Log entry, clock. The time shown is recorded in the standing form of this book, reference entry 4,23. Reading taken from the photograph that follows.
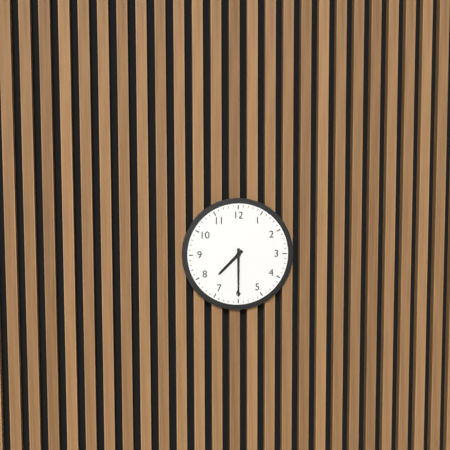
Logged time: 7,30
